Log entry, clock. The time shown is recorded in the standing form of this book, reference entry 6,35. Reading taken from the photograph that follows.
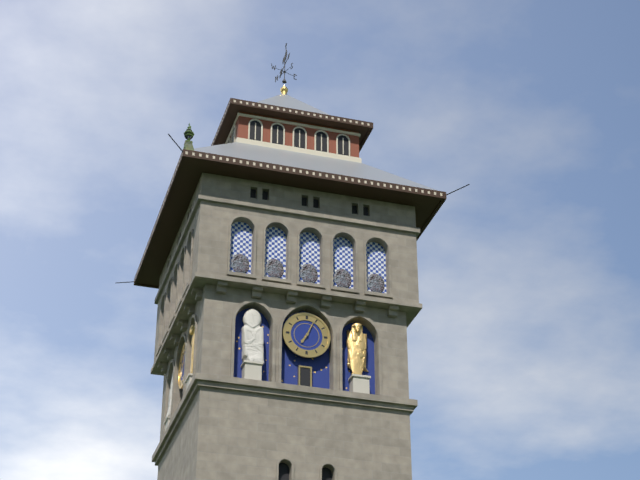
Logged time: 7,04
